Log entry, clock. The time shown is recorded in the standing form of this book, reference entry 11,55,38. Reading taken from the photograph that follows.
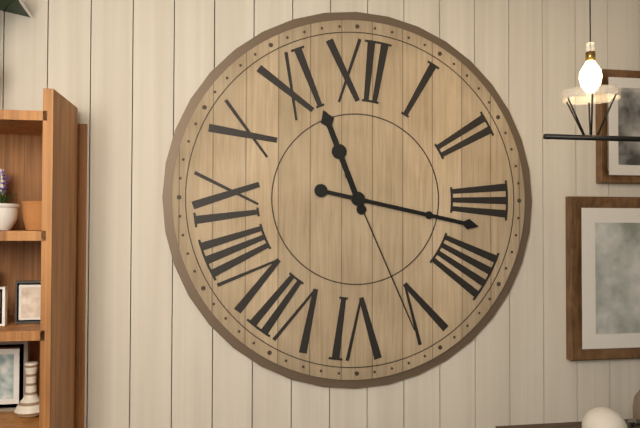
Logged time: 11,17,26
